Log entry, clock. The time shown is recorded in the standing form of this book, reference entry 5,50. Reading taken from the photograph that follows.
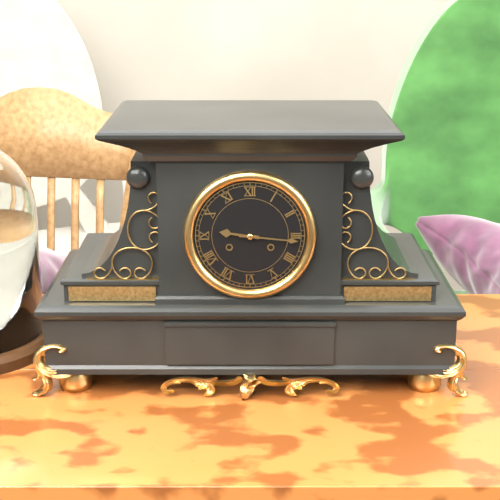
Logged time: 9,16
